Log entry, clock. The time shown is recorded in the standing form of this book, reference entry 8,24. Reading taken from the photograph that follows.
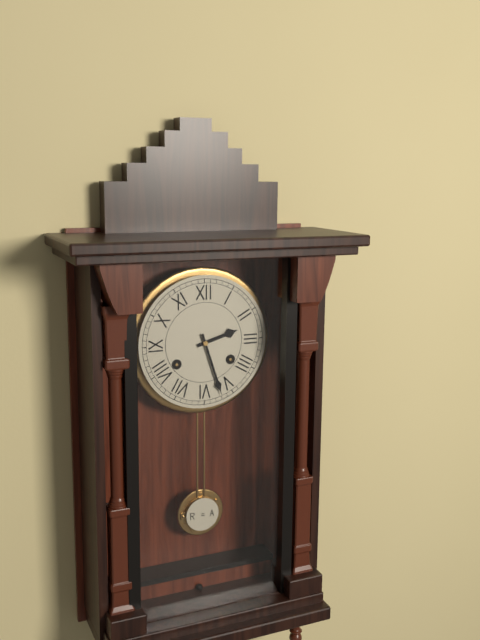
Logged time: 2,27
